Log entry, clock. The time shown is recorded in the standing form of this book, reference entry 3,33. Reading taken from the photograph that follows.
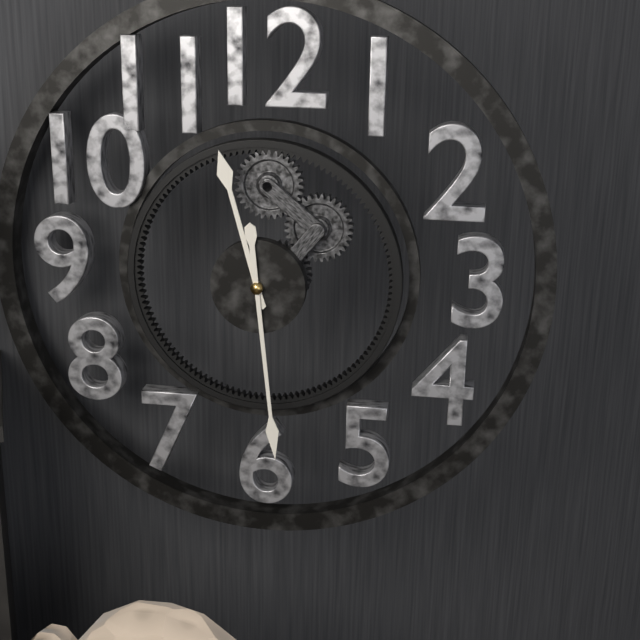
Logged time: 11,29
